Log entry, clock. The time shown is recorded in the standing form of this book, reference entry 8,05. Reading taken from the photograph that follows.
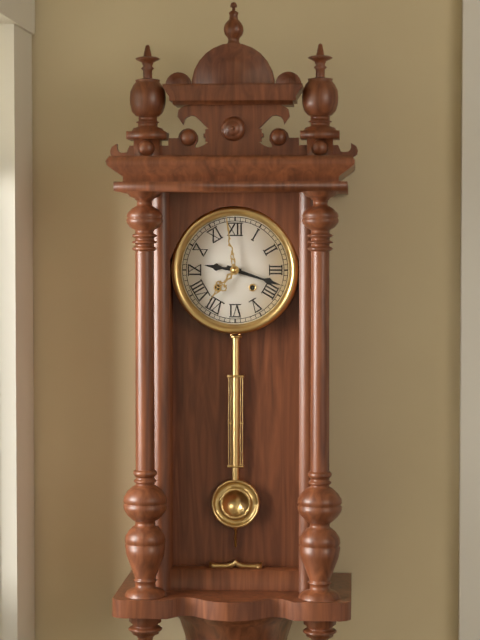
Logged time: 9,18
